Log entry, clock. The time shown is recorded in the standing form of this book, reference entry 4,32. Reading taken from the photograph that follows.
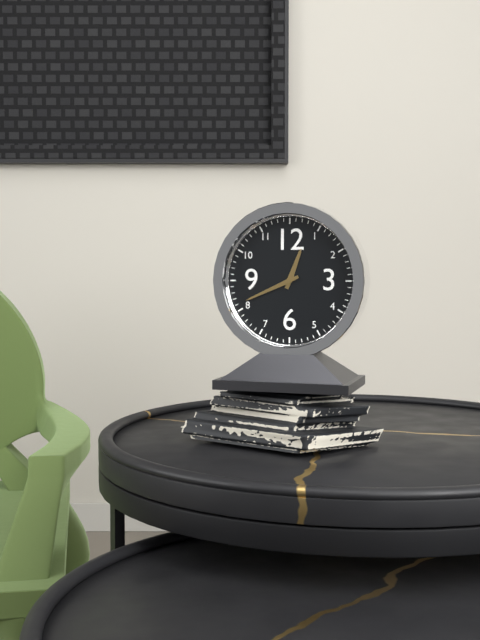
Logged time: 12,41
